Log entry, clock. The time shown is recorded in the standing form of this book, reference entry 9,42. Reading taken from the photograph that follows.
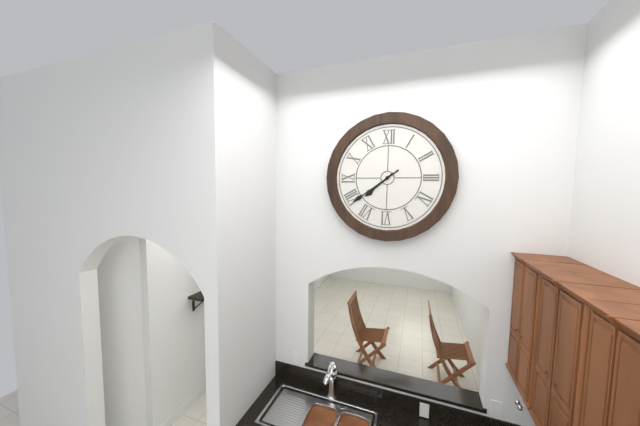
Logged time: 7,39
